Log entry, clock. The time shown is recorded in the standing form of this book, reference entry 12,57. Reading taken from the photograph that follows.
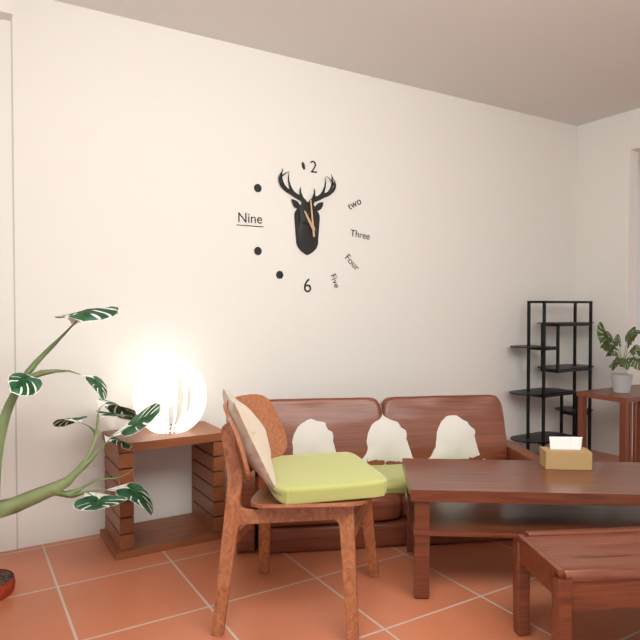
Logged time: 10,59
